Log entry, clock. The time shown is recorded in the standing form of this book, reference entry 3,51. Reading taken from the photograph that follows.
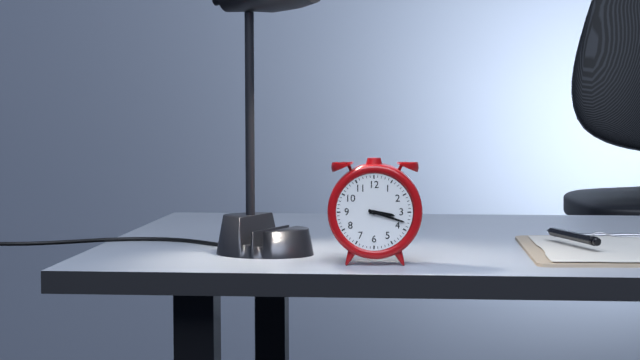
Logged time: 3,18
